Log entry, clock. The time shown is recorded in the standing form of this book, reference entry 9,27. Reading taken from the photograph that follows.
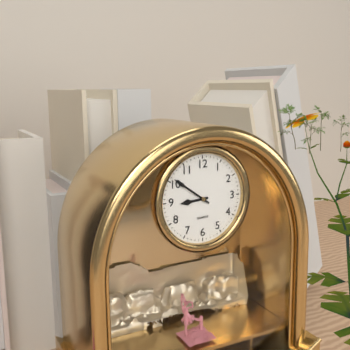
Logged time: 8,51
